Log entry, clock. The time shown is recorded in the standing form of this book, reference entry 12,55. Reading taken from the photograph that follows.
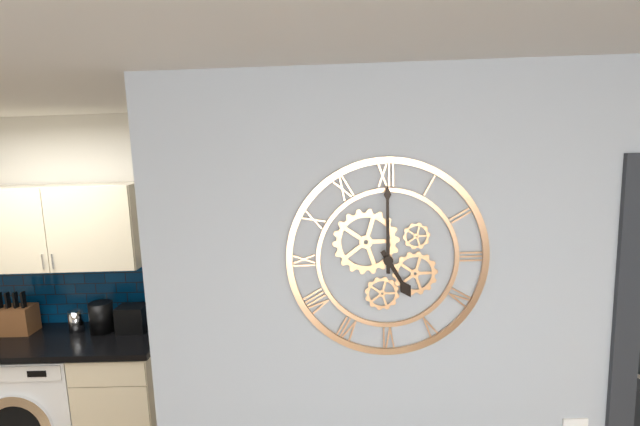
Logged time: 5,00
